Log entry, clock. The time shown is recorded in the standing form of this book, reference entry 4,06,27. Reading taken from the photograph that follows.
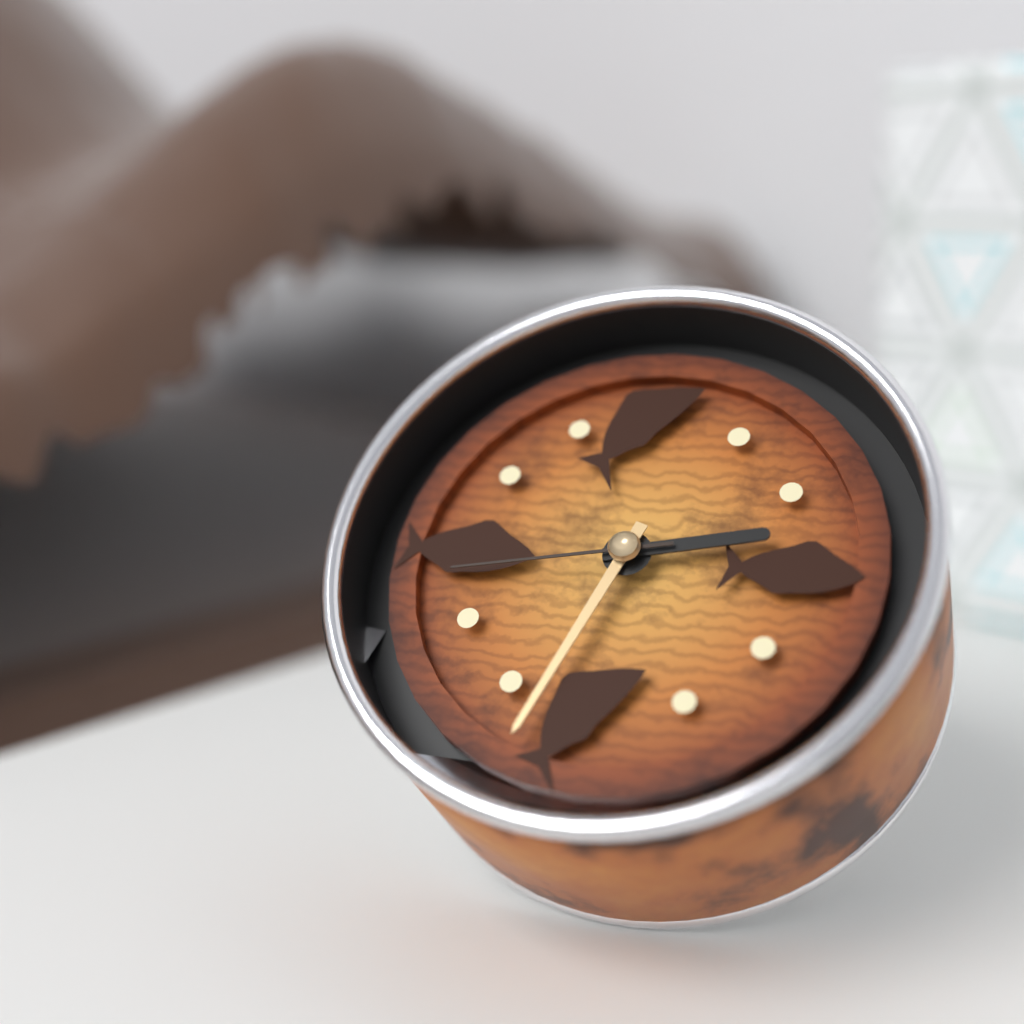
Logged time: 2,33,43
